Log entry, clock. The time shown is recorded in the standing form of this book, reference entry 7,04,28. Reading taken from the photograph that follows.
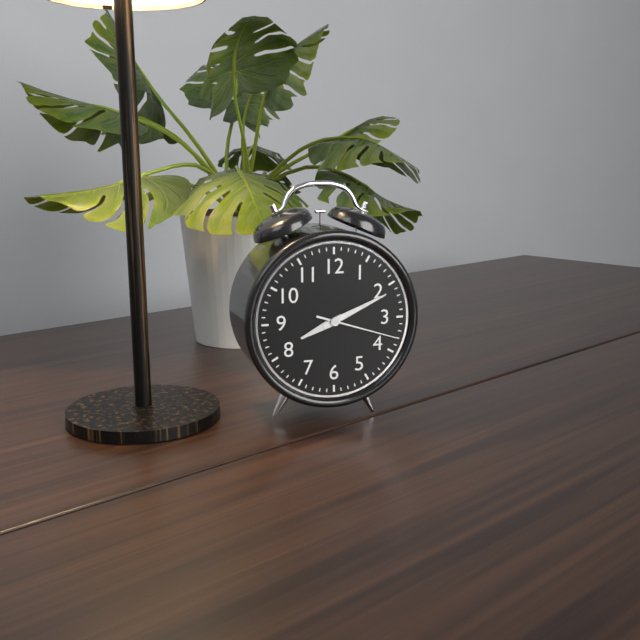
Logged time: 8,11,18
